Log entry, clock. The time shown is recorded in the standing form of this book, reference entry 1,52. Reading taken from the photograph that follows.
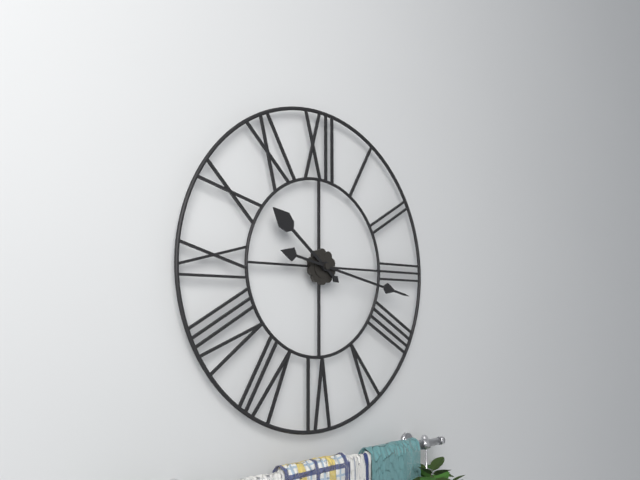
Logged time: 10,17
